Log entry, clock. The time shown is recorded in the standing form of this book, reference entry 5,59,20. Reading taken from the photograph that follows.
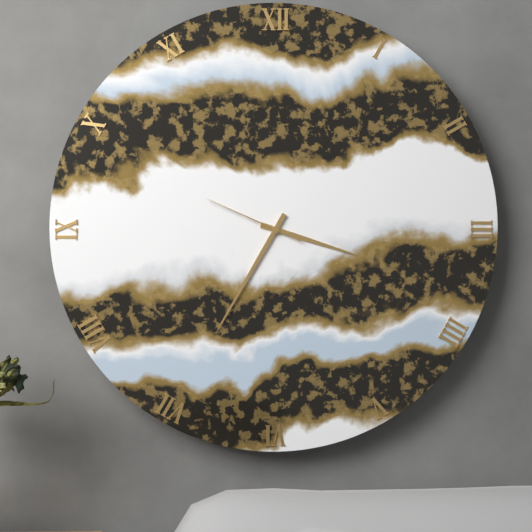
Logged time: 3,35,49
